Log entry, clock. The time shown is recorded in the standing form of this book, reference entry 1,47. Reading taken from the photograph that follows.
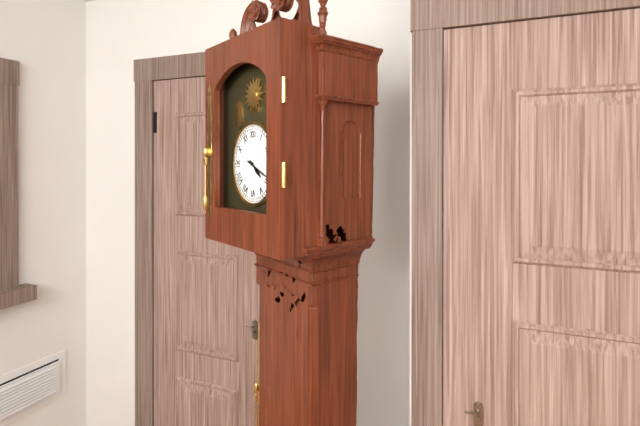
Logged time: 4,19
